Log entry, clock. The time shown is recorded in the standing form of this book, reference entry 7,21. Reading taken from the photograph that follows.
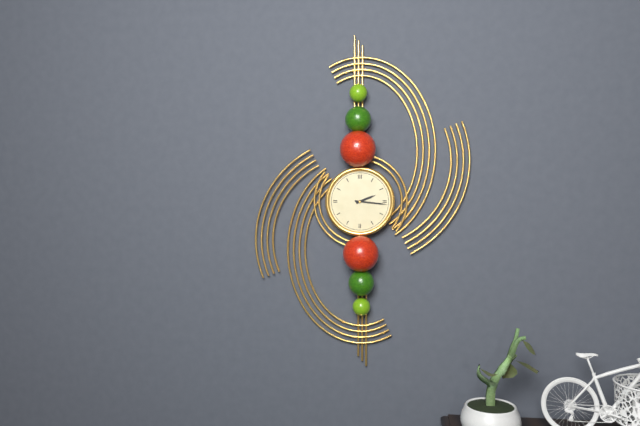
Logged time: 2,16
